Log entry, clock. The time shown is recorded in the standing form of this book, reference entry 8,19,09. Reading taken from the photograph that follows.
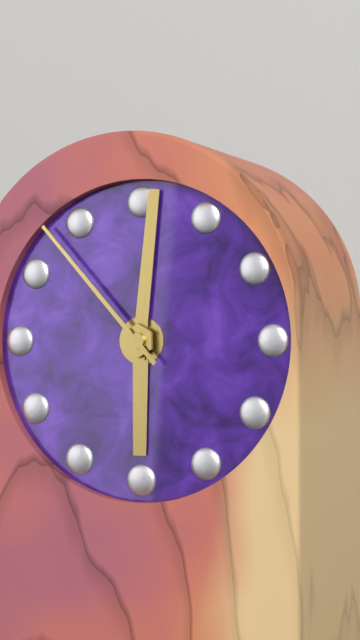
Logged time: 6,01,53
